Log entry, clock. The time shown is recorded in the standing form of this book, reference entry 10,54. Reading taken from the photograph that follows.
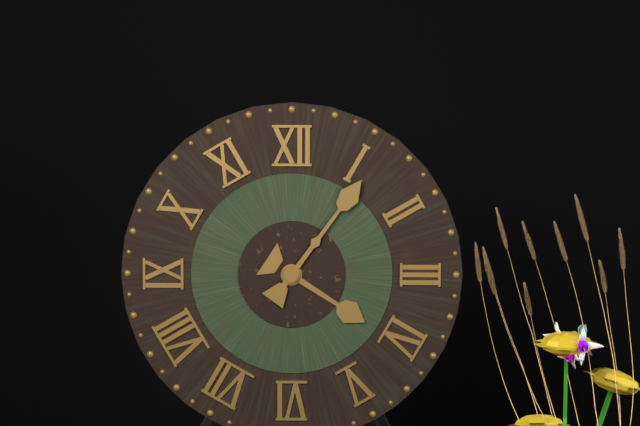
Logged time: 4,06
